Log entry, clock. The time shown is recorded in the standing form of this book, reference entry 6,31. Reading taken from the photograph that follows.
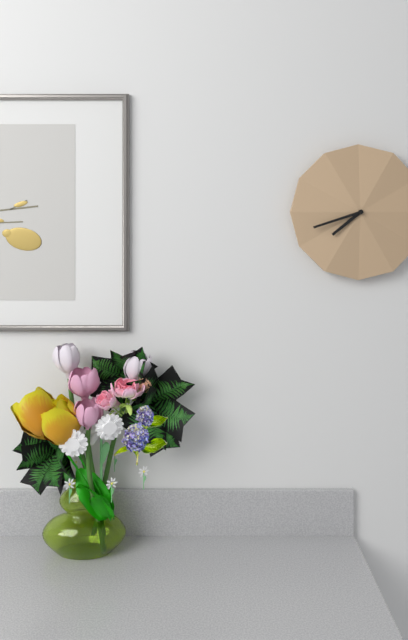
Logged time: 7,42
